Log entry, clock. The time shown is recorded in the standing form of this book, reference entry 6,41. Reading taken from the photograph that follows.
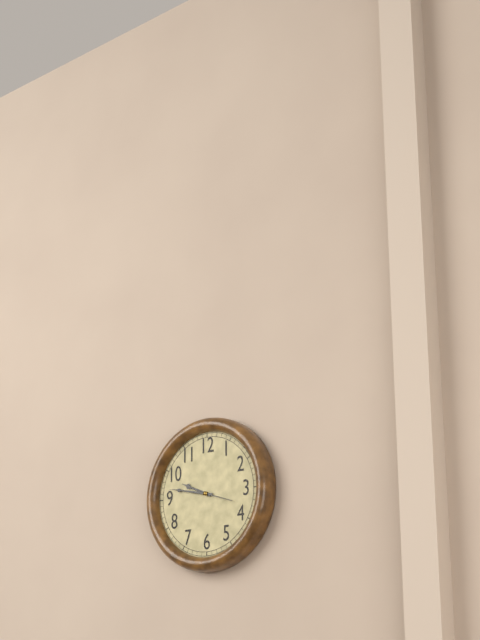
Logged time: 9,47
